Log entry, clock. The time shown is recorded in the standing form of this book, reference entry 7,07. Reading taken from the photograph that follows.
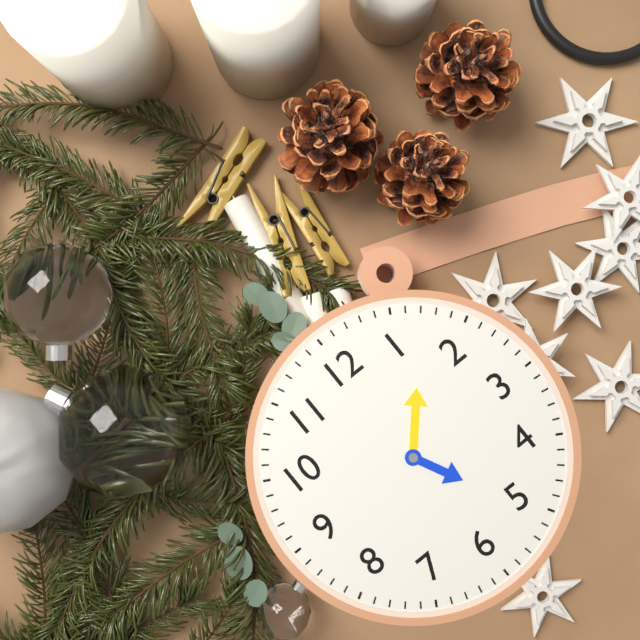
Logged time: 5,07
